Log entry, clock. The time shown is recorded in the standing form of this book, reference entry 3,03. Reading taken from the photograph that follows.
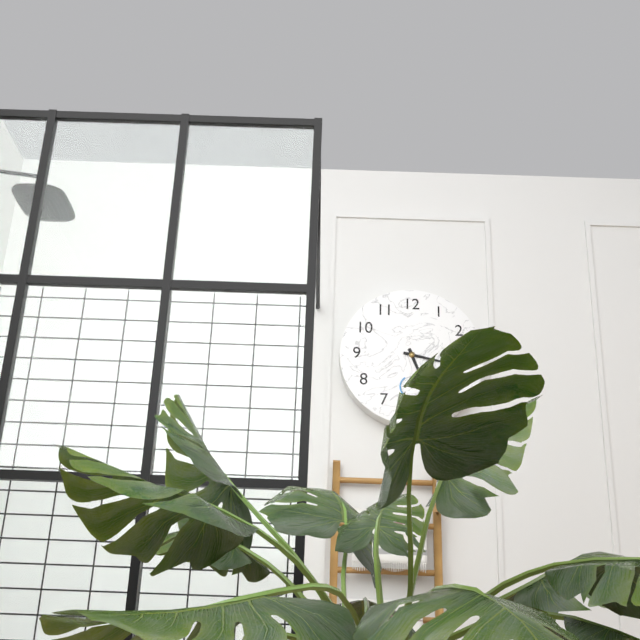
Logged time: 5,17
